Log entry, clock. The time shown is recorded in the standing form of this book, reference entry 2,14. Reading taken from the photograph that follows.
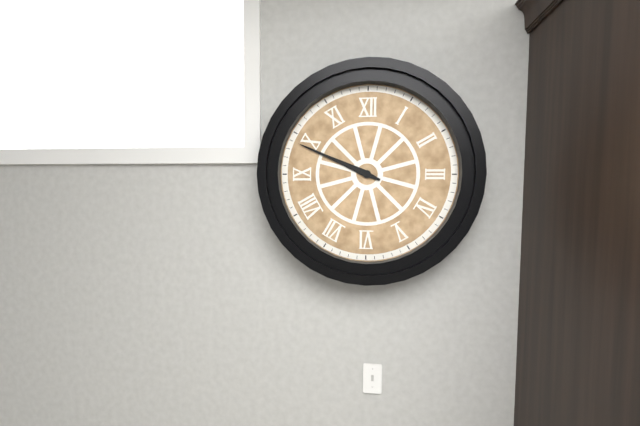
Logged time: 9,49
